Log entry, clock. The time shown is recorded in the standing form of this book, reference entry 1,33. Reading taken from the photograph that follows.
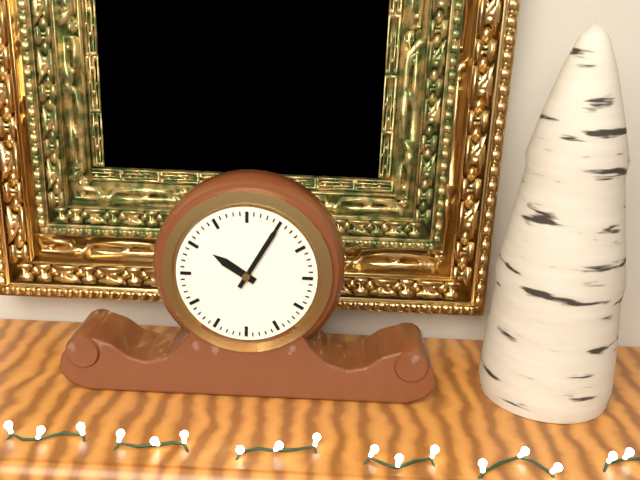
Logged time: 10,05
